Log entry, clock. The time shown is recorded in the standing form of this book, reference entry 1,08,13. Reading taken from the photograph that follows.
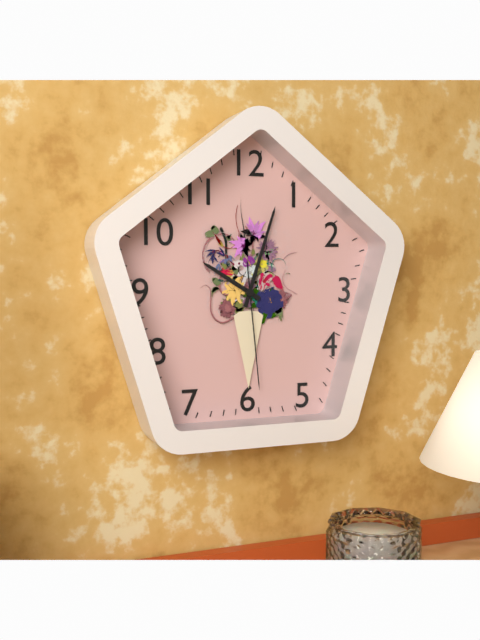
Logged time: 10,03,29
